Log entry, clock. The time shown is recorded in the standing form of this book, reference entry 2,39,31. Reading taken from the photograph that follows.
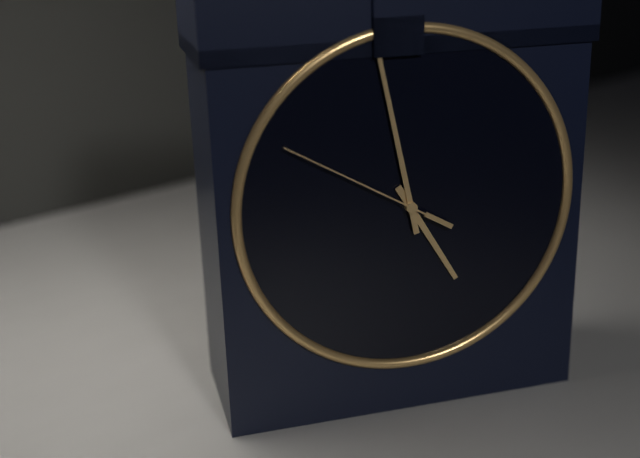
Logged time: 4,58,50
